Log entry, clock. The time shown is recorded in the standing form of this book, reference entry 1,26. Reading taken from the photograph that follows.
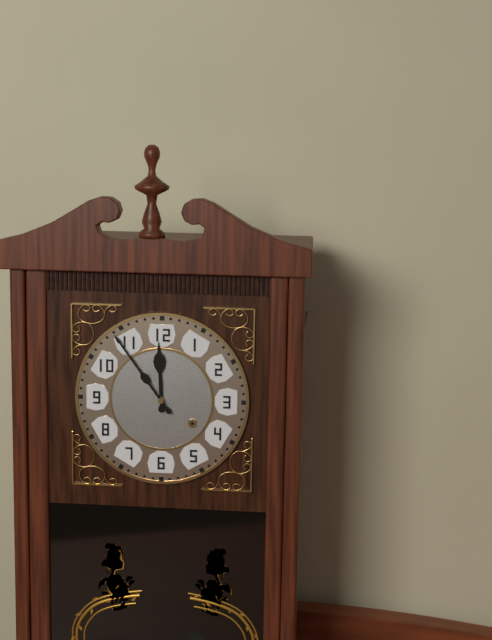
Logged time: 11,54
